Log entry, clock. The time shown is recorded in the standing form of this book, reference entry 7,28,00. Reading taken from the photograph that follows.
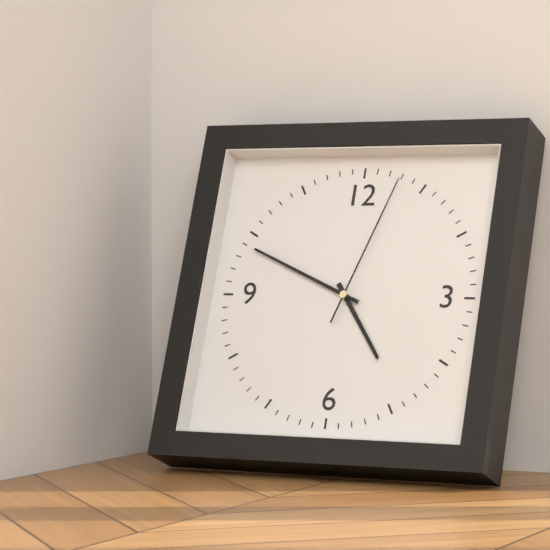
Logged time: 4,49,03
